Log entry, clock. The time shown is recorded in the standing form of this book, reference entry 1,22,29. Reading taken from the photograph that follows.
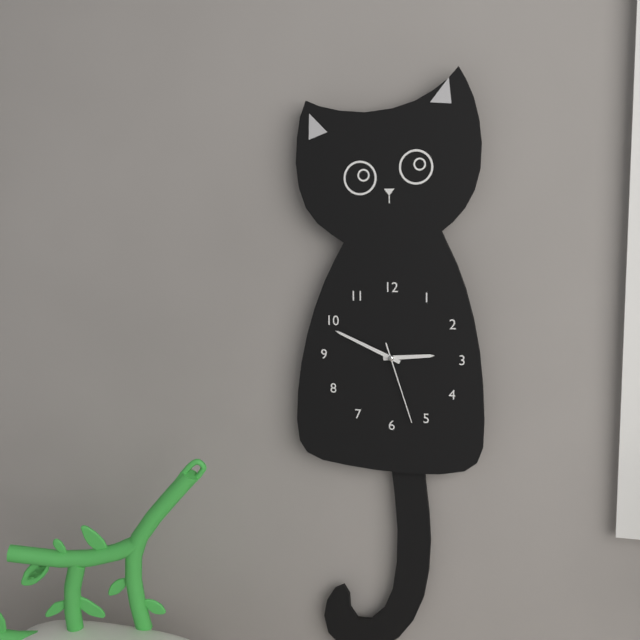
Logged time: 2,49,27
